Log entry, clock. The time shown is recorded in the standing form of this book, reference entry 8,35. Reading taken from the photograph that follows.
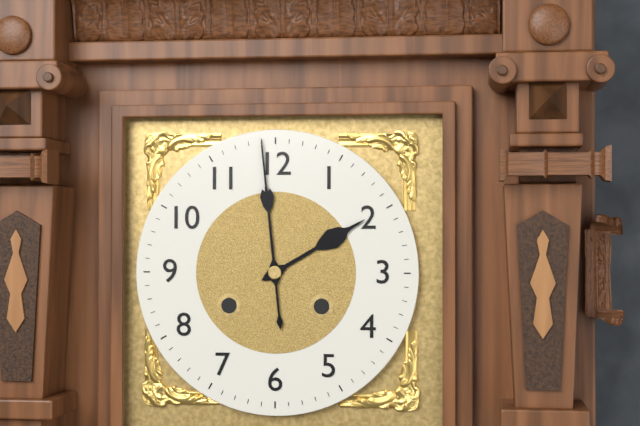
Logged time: 1,59
